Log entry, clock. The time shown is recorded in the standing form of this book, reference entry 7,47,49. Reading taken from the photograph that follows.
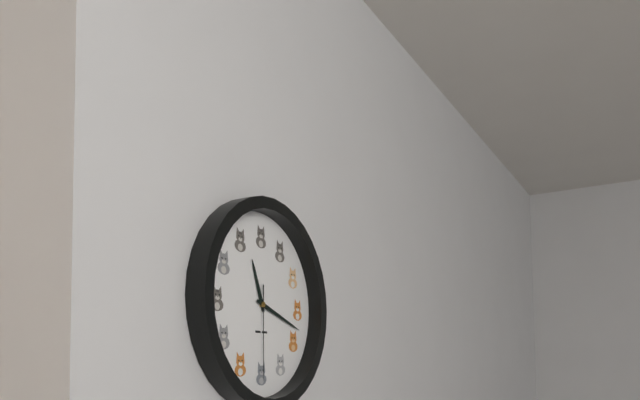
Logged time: 11,18,30
